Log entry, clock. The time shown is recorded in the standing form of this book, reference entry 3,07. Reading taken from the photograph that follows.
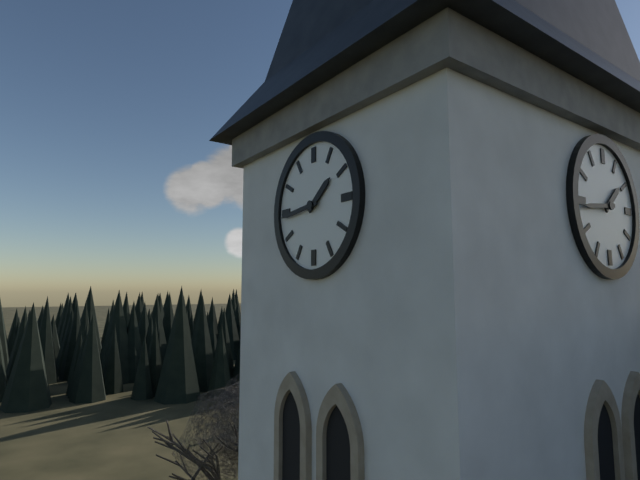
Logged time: 1,44
